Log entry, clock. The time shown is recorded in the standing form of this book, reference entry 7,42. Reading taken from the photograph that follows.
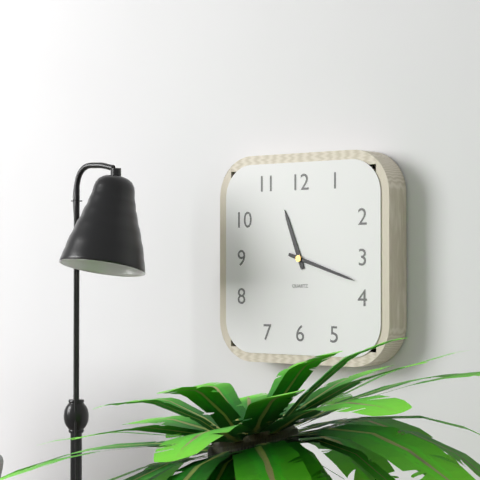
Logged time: 11,18
